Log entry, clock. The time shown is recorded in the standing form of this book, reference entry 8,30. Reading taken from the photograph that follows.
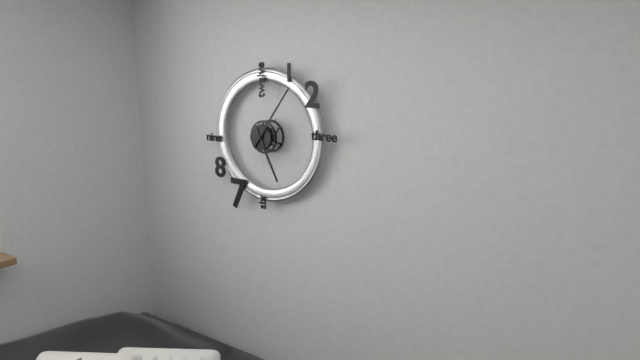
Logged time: 5,06
